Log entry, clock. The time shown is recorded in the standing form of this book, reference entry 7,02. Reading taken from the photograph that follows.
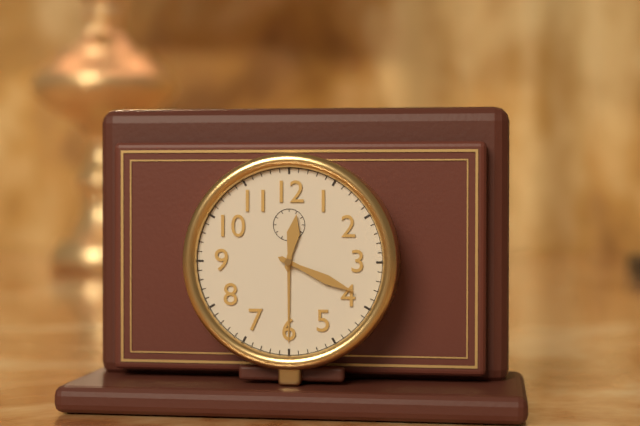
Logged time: 12,19
